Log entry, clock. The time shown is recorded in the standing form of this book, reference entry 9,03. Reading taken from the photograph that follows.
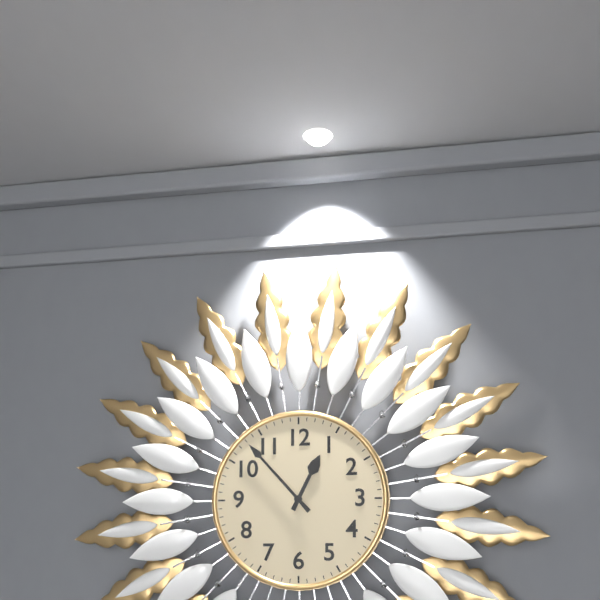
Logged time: 12,53
